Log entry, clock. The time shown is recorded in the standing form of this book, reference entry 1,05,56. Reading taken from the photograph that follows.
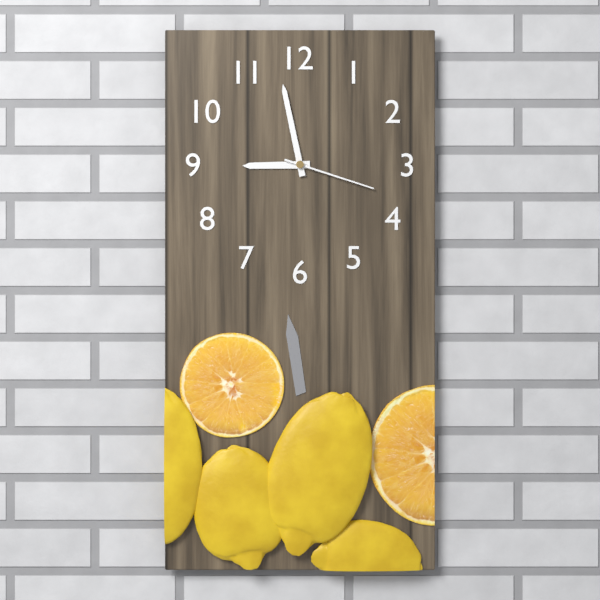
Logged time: 8,58,18
